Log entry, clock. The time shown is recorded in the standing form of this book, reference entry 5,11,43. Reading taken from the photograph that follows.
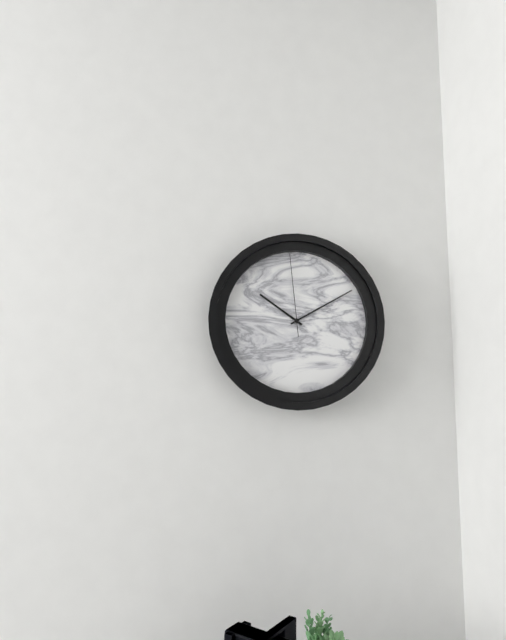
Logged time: 10,10,59
